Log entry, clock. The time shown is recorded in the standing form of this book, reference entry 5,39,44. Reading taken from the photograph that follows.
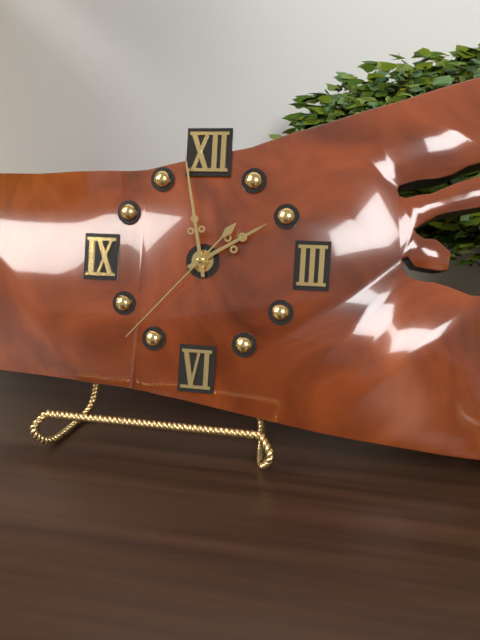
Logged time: 1,58,37
